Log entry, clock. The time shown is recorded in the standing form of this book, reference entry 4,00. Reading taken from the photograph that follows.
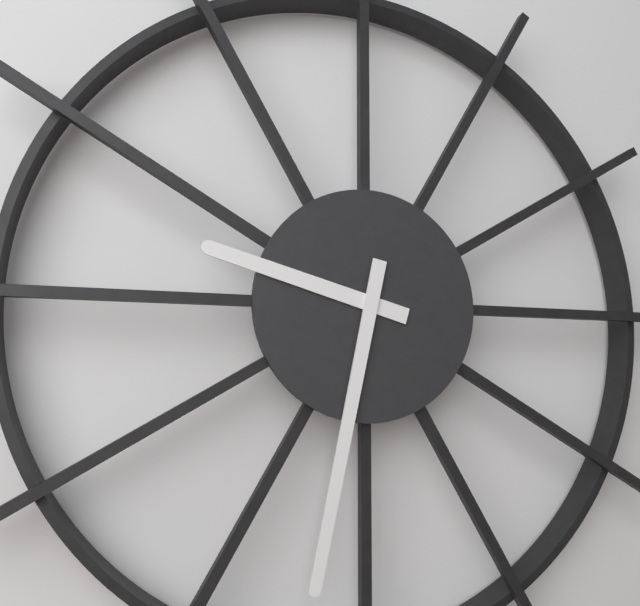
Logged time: 9,32
